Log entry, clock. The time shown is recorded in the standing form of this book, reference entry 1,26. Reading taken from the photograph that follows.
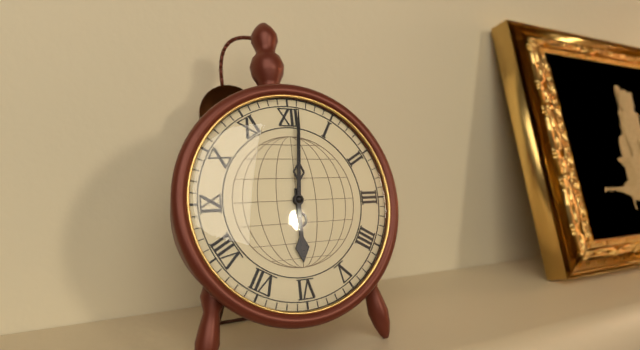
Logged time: 6,01
